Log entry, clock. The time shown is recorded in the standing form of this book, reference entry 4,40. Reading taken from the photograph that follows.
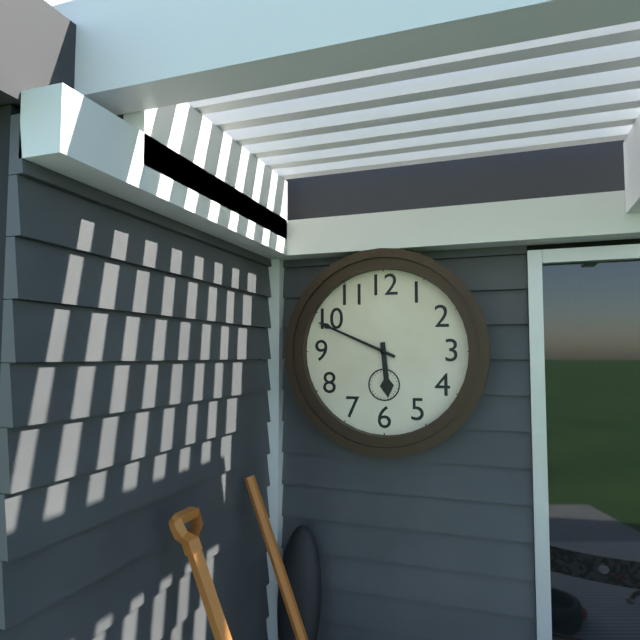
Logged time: 5,49
